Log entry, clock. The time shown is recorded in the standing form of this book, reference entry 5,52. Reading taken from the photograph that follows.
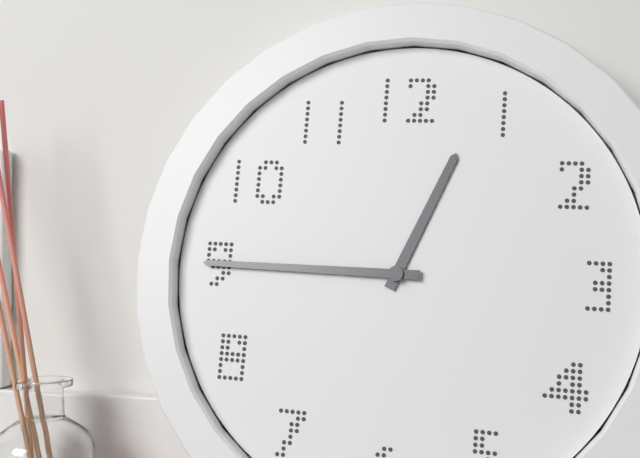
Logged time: 12,45
